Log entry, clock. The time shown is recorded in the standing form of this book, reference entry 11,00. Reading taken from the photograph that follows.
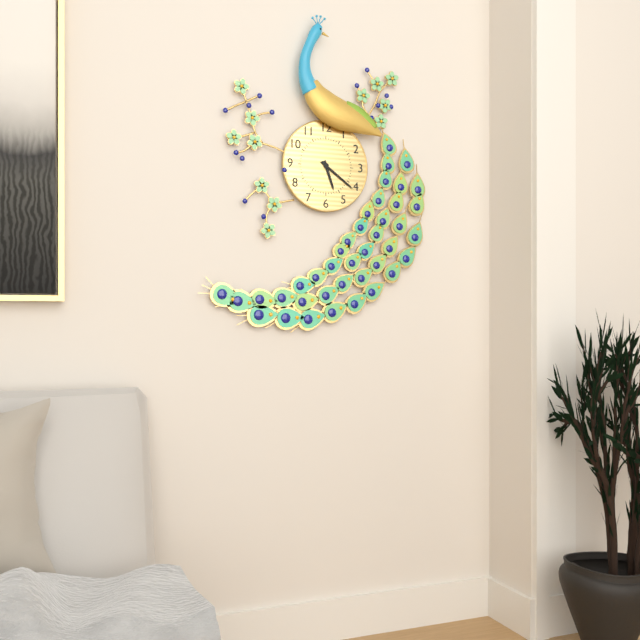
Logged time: 5,21
